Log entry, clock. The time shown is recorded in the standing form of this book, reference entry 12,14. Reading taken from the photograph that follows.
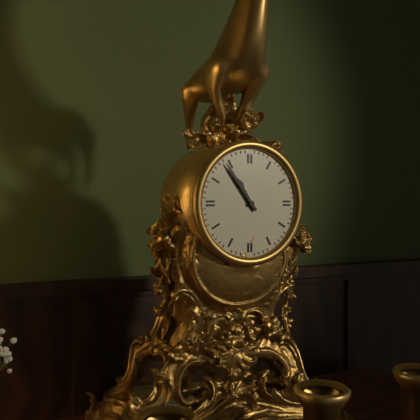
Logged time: 10,54
